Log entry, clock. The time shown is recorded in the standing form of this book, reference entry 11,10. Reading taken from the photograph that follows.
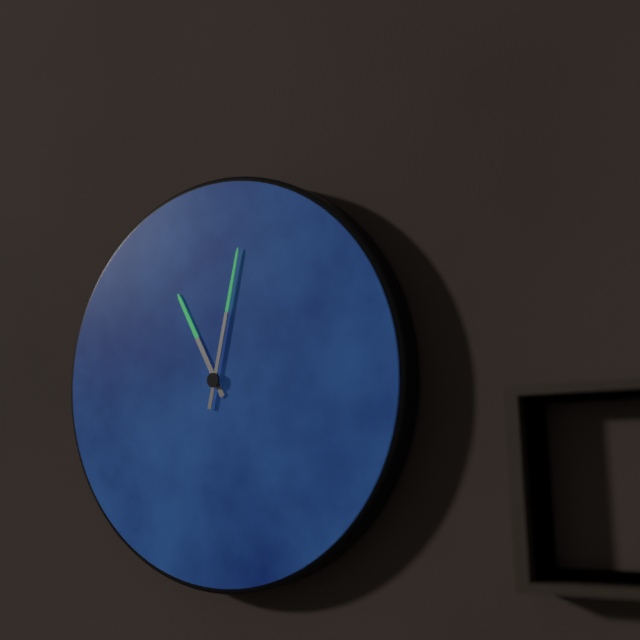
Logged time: 11,02
